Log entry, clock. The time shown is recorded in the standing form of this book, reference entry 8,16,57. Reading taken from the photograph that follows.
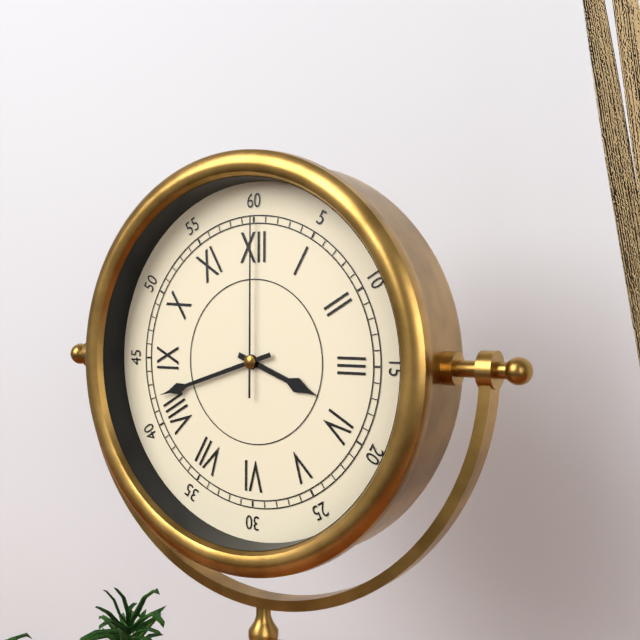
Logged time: 3,42,00
